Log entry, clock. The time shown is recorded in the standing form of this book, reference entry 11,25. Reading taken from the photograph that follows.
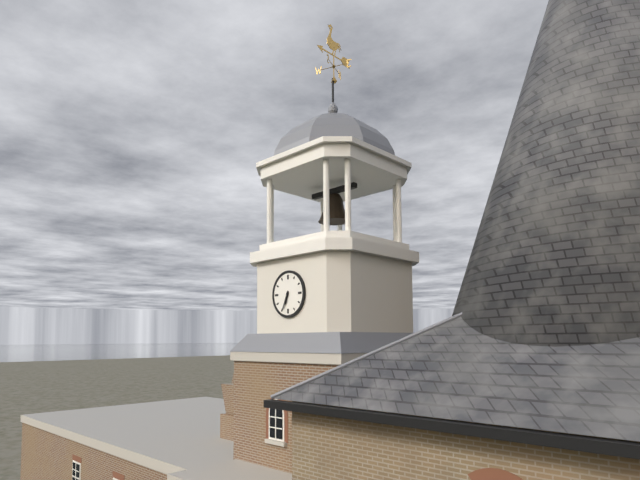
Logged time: 6,34
